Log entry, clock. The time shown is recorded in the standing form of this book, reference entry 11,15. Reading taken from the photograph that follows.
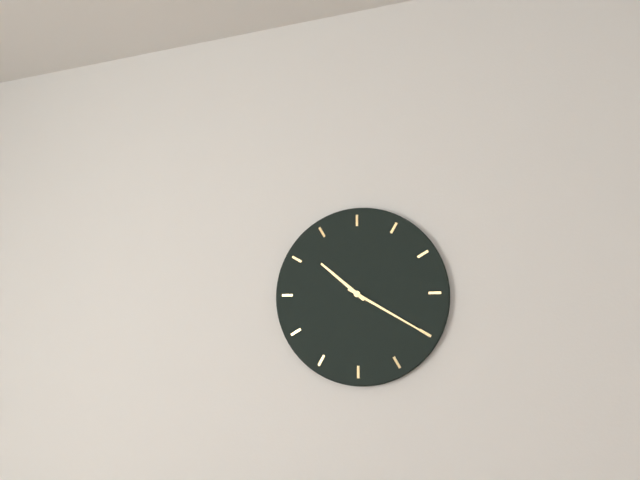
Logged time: 10,20
